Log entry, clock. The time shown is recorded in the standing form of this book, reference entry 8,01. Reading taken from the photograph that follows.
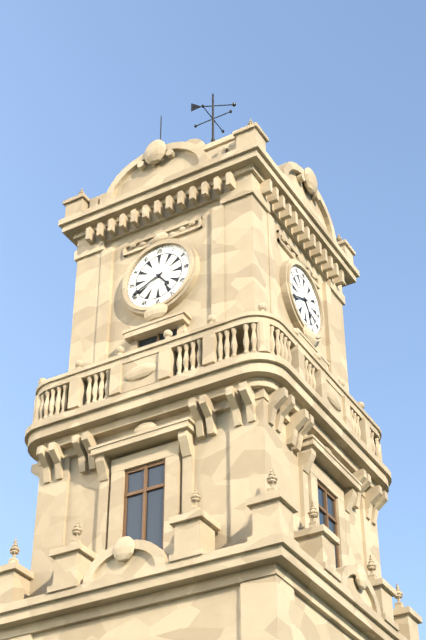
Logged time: 4,41
